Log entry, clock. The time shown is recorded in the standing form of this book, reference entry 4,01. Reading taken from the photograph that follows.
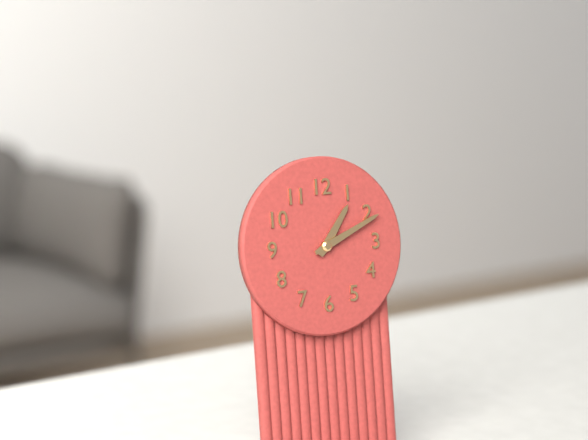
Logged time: 1,11
